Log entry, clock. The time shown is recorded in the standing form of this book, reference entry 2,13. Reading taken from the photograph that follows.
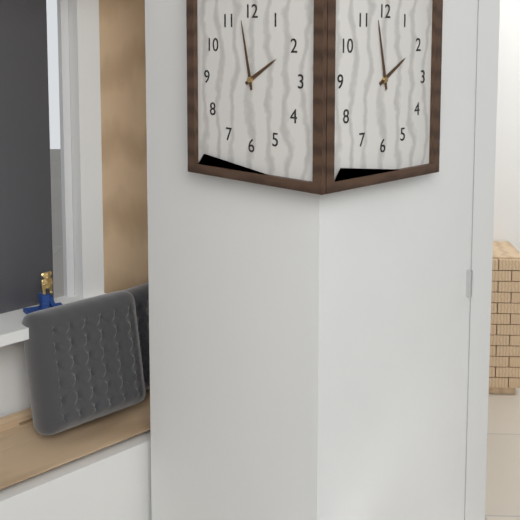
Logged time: 1,58
